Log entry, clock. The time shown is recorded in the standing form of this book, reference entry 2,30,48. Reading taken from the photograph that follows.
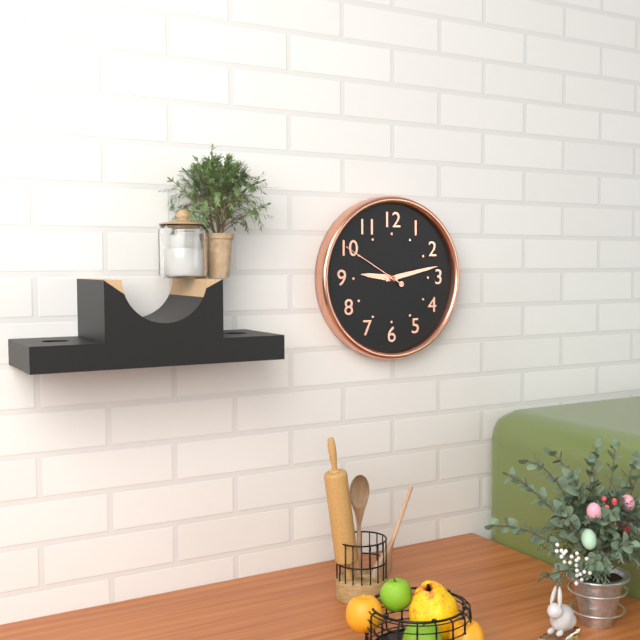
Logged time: 9,13,50
